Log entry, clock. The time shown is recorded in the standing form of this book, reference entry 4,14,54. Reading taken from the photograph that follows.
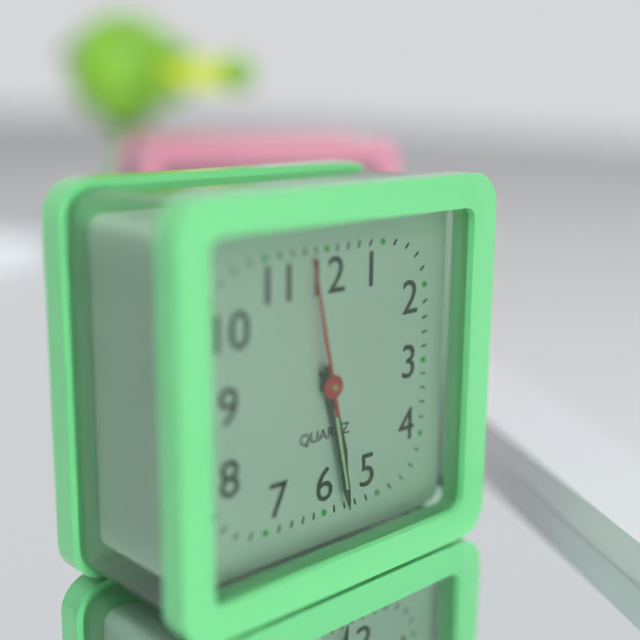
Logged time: 5,28,58
